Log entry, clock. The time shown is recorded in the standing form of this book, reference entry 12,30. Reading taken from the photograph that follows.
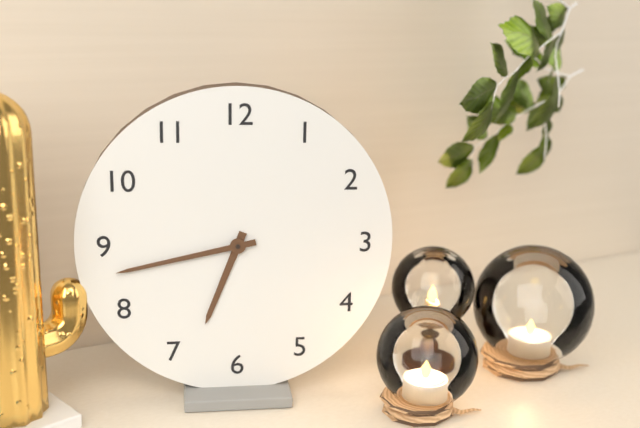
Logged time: 6,43
